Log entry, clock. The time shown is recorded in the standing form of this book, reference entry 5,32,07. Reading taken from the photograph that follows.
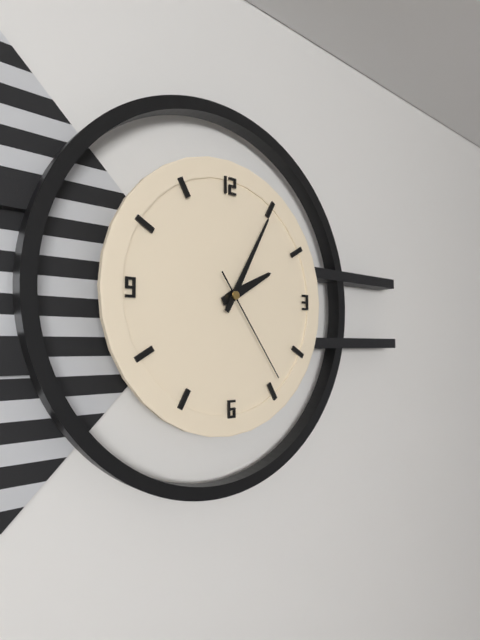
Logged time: 2,05,24
